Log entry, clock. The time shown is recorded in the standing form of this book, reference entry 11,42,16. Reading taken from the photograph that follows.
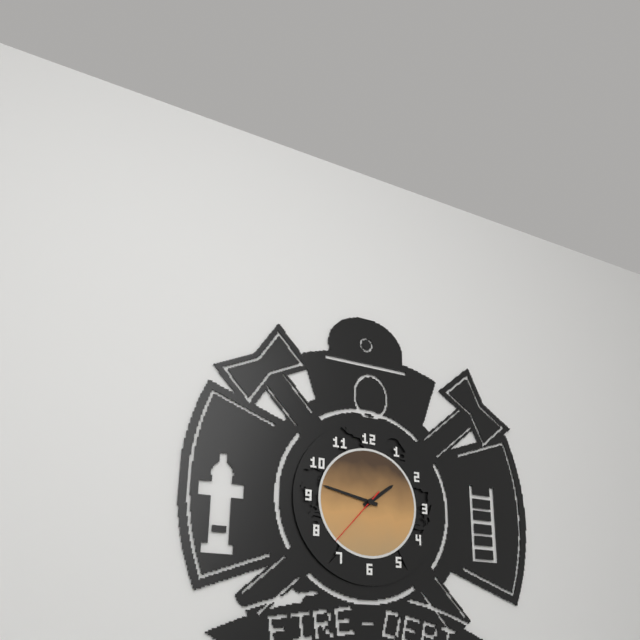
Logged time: 1,47,37
